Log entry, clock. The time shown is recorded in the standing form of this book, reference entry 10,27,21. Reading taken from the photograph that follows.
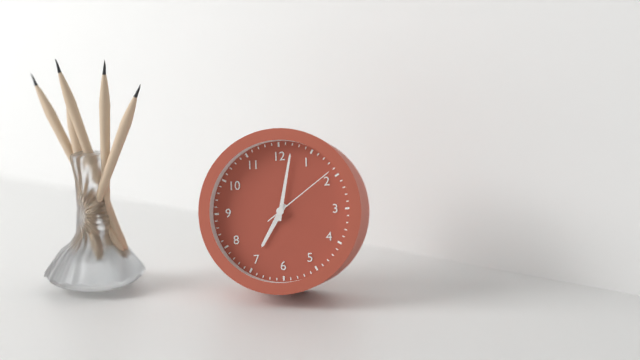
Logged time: 7,02,09
